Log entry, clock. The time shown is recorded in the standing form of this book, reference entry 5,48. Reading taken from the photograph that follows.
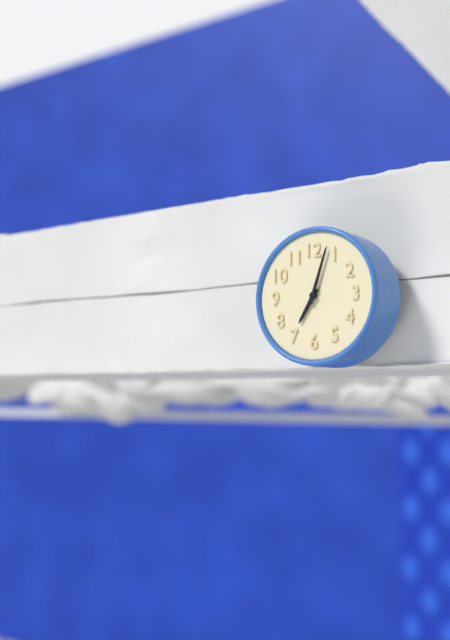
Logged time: 7,03
